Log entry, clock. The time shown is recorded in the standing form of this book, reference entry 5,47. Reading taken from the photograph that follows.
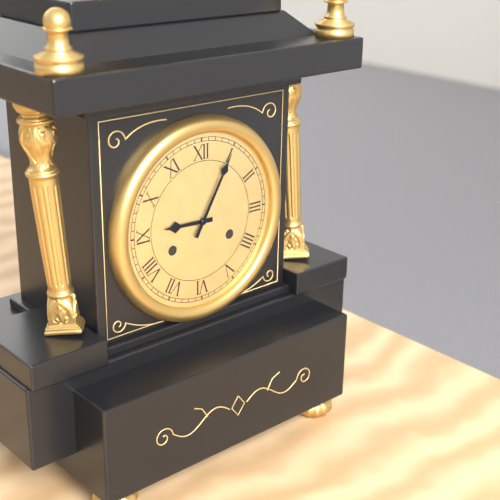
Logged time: 9,05
